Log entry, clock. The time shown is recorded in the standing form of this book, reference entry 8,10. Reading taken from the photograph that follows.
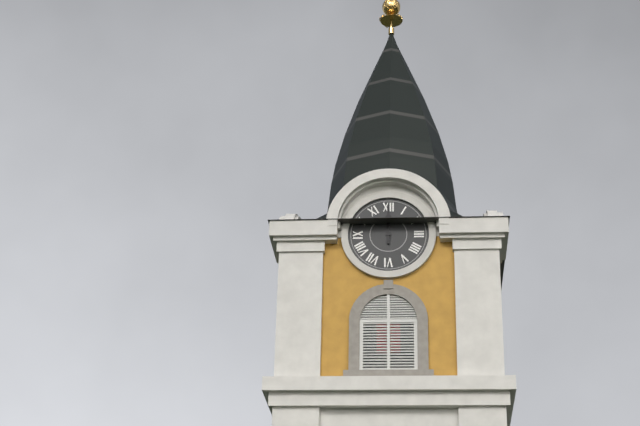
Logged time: 12,00
